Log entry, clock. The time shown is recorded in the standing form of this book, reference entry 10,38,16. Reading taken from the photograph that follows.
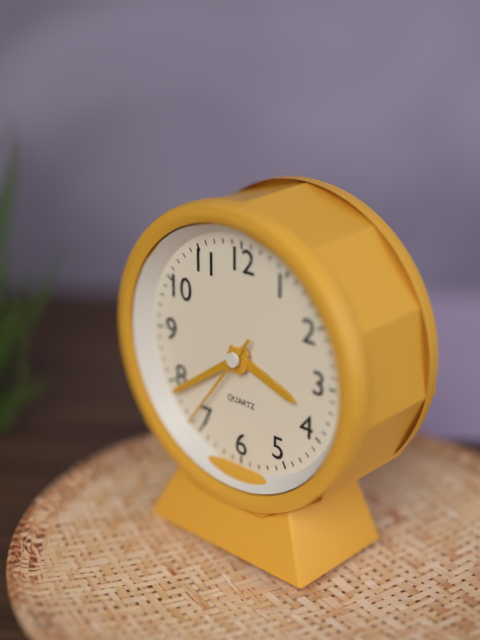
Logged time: 3,39,36
